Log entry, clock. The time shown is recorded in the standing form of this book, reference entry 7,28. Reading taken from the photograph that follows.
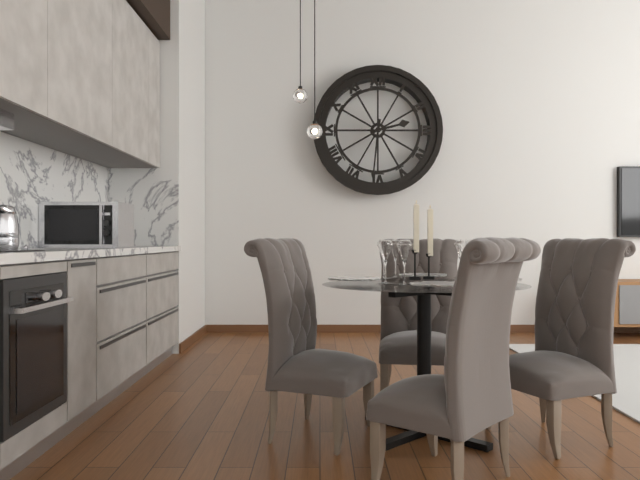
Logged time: 2,31
